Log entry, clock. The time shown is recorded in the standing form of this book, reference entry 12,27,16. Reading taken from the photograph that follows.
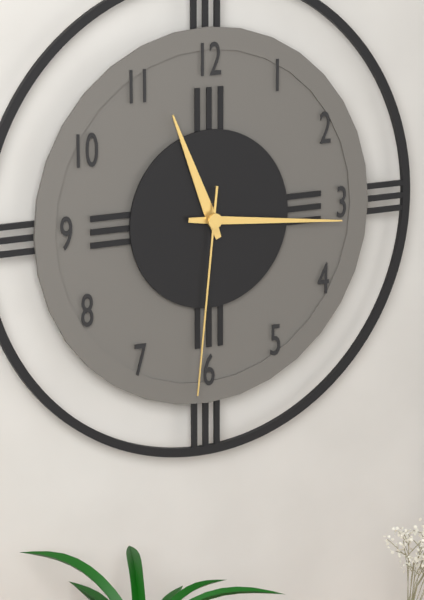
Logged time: 11,16,31
